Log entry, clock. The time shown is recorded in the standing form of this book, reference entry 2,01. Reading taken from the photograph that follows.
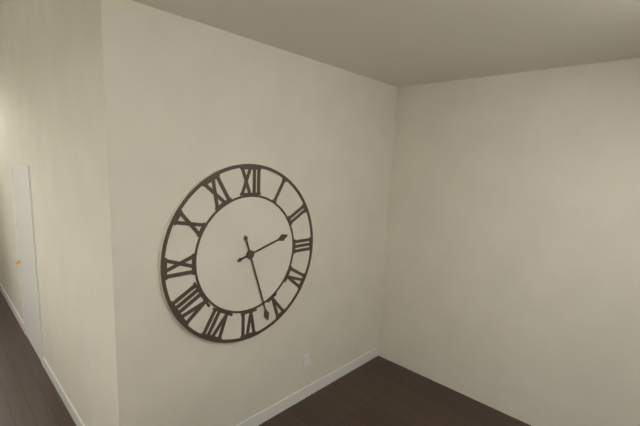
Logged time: 2,27
